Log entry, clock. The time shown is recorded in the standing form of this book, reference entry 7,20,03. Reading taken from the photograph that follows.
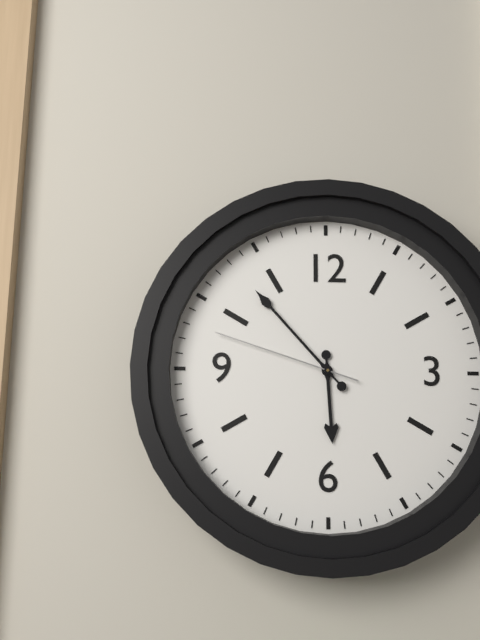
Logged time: 5,53,48
